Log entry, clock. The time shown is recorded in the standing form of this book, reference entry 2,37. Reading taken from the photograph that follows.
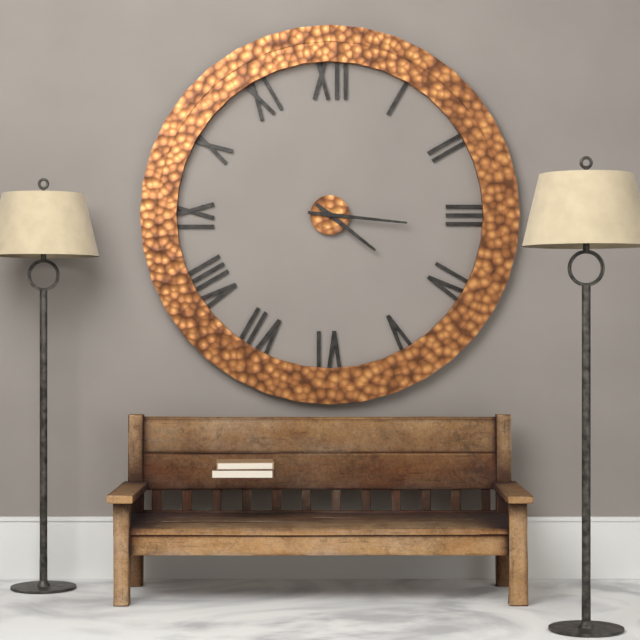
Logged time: 4,16
